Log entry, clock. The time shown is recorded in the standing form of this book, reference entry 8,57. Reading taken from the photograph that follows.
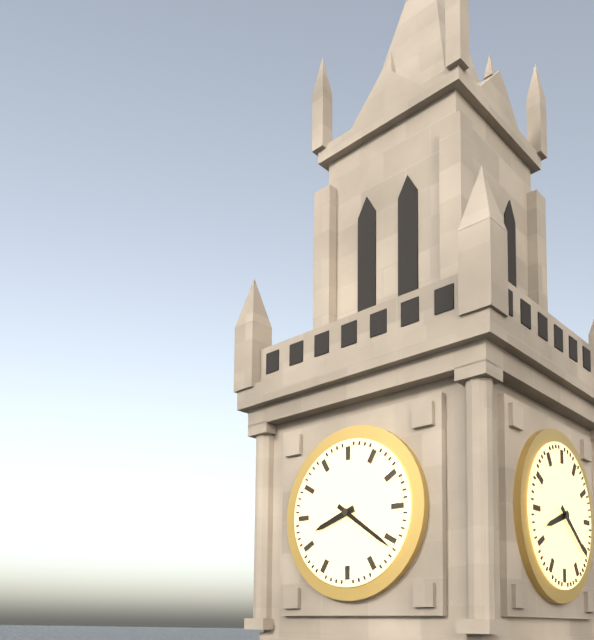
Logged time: 8,21
